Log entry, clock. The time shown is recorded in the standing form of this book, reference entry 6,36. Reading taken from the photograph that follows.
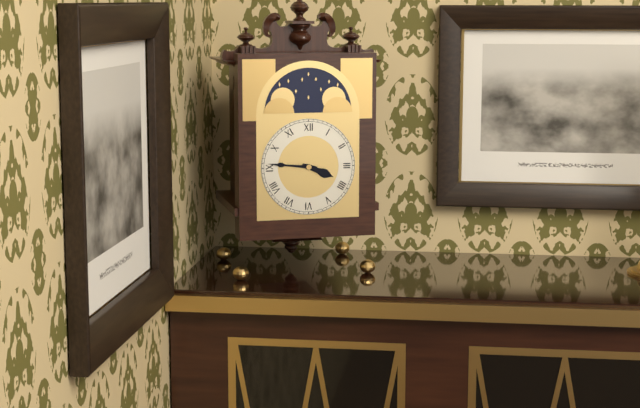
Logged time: 3,46
